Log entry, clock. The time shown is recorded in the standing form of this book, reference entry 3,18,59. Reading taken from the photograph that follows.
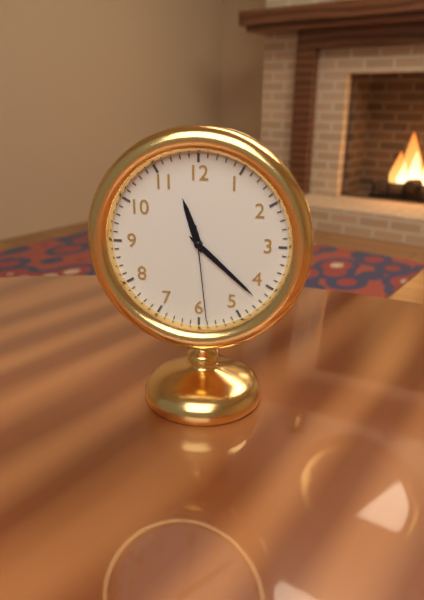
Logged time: 11,22,29
